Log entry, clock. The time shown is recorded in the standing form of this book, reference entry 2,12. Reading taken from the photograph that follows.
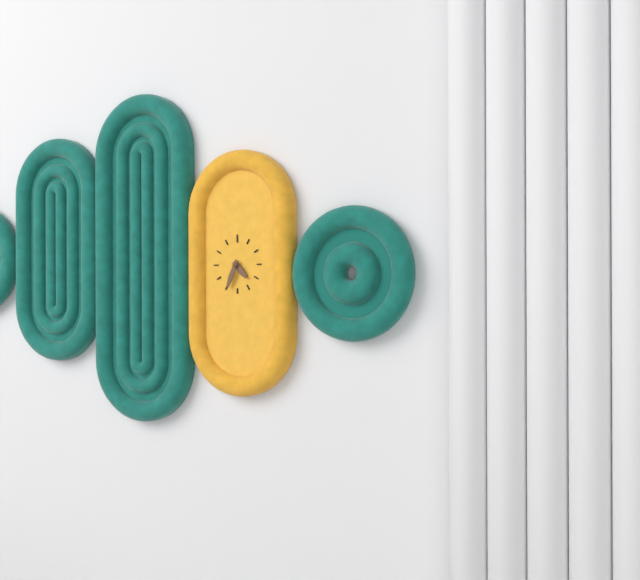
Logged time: 4,34
